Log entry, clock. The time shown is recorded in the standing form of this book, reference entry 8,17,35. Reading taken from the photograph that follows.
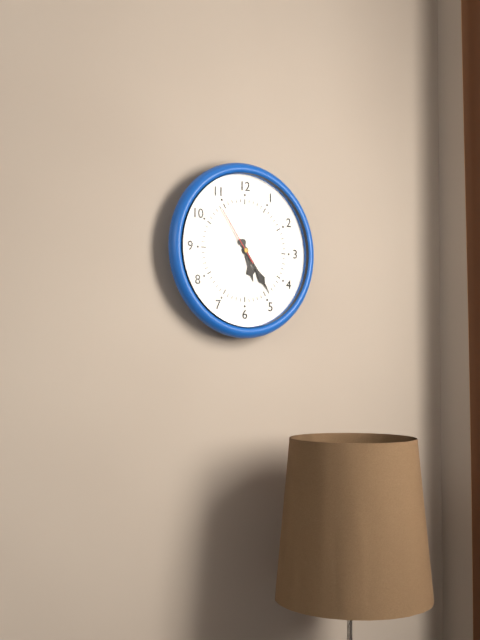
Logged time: 5,24,54
